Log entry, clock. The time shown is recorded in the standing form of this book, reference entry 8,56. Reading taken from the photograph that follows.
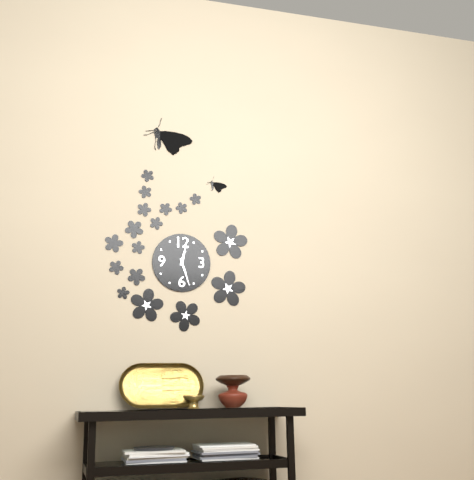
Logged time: 12,27
